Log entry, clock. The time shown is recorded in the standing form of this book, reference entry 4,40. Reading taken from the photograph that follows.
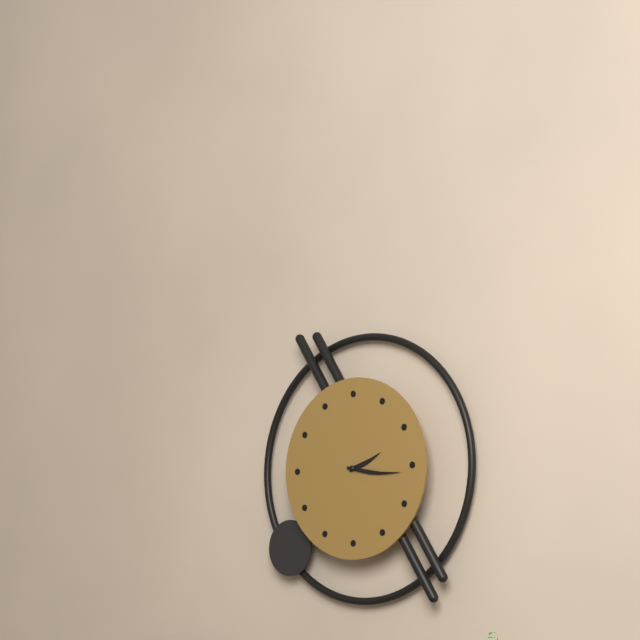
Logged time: 2,16
